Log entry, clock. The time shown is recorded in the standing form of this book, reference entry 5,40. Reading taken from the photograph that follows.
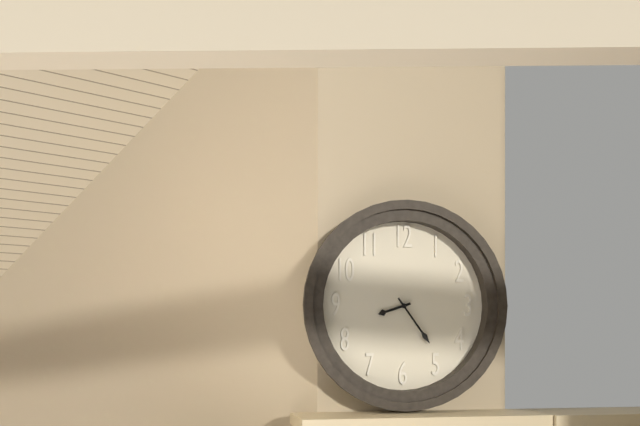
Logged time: 8,24
